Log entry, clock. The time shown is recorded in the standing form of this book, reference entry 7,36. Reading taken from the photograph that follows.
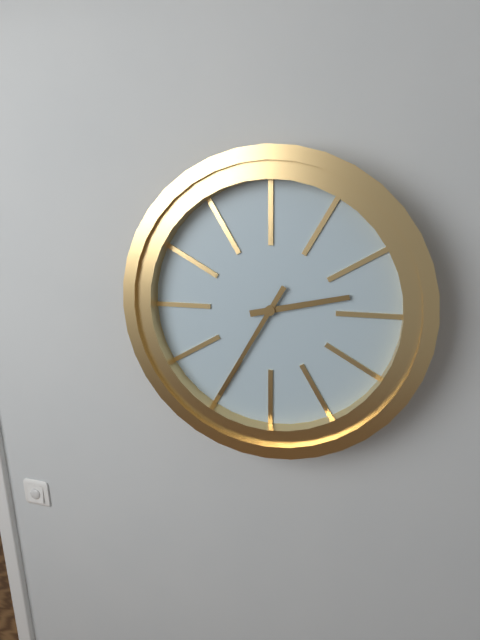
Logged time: 2,35
